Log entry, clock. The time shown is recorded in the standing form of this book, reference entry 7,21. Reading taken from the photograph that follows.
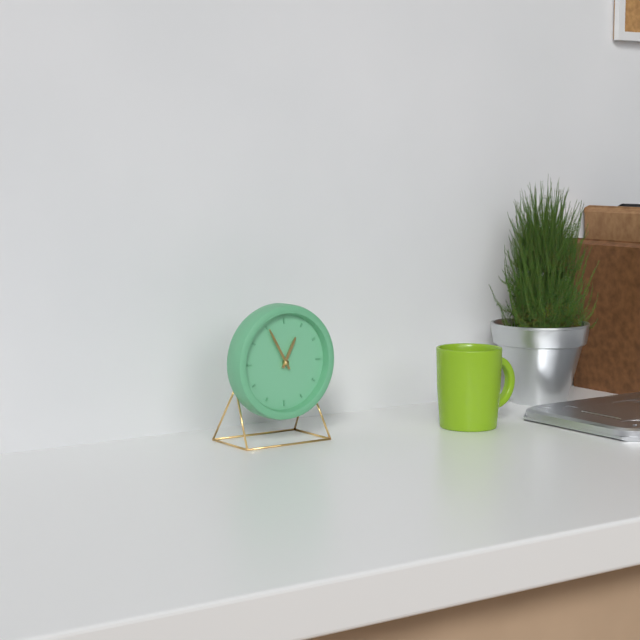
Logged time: 12,55
